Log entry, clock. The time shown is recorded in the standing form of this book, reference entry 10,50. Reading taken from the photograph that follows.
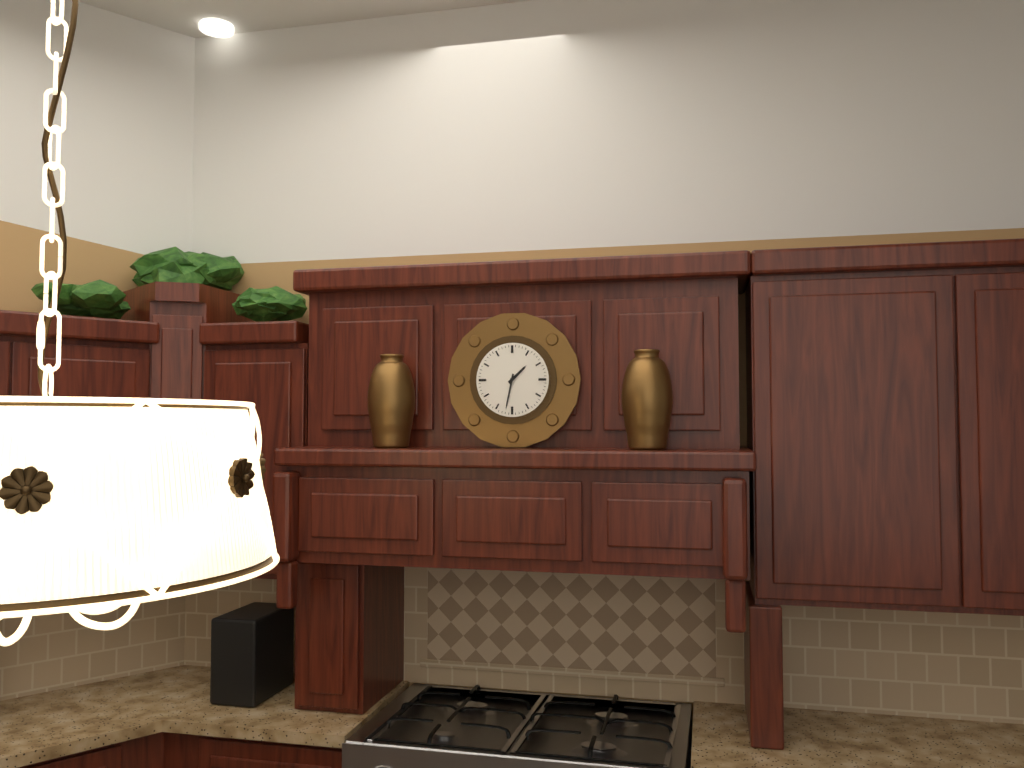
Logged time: 1,32
